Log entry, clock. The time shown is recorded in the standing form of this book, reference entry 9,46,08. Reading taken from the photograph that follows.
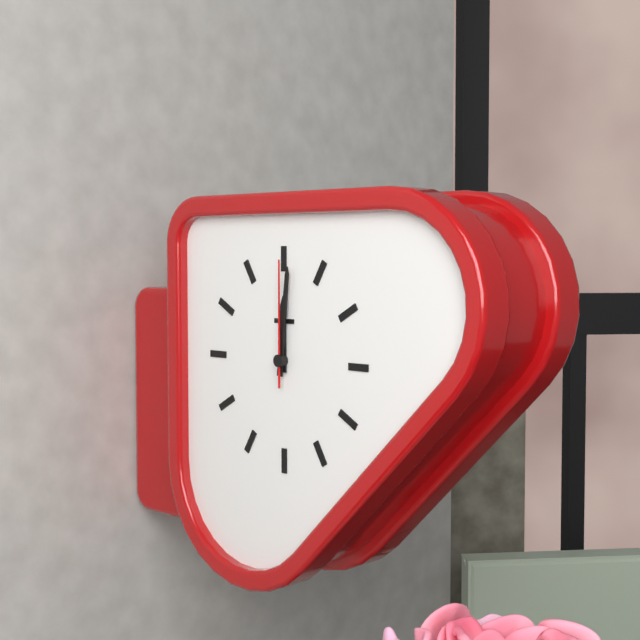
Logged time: 12,01,00
